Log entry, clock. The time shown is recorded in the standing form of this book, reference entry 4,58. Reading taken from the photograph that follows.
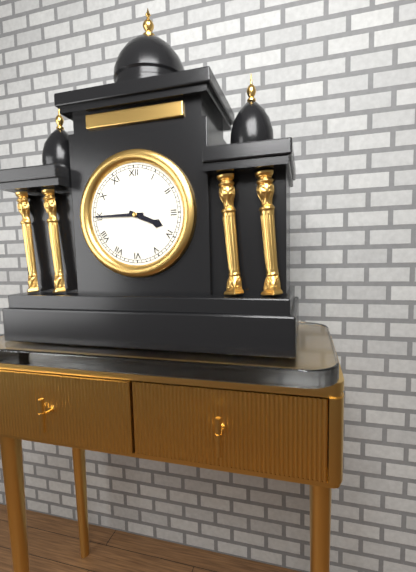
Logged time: 3,45
